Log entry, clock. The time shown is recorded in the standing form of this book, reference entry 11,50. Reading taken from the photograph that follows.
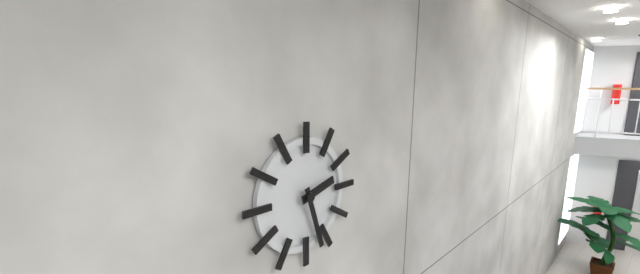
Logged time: 2,27
